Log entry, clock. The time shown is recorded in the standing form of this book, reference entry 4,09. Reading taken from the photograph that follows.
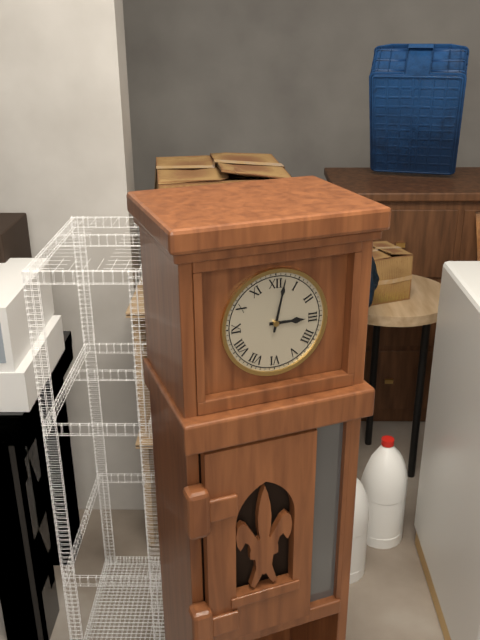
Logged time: 3,02
